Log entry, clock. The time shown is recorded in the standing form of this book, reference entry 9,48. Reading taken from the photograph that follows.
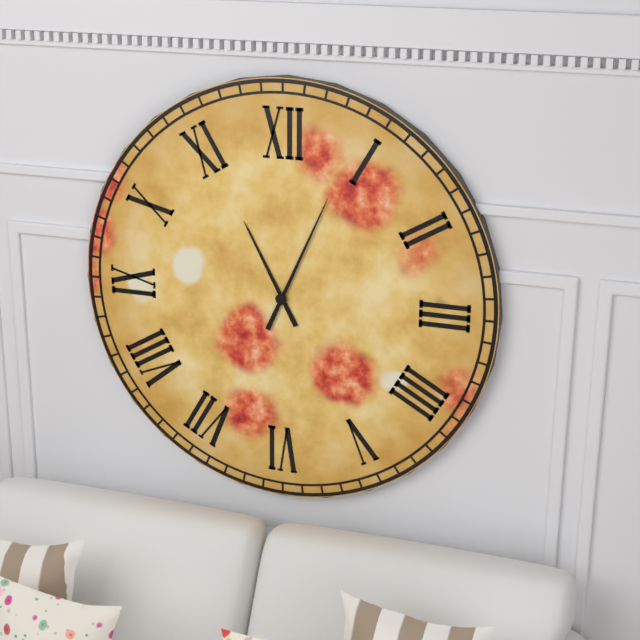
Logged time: 11,04
